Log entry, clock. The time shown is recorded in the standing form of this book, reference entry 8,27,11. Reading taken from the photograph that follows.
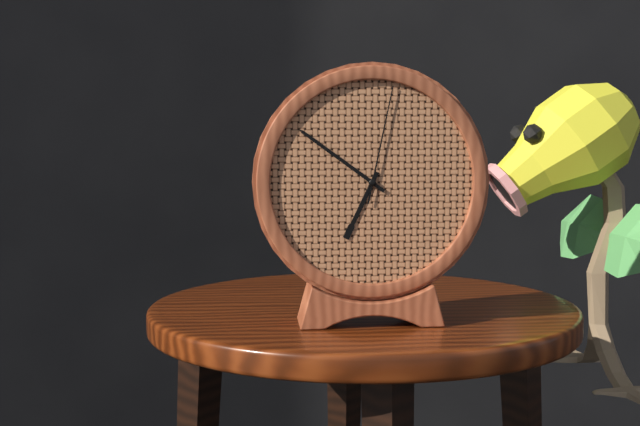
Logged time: 6,51,02
